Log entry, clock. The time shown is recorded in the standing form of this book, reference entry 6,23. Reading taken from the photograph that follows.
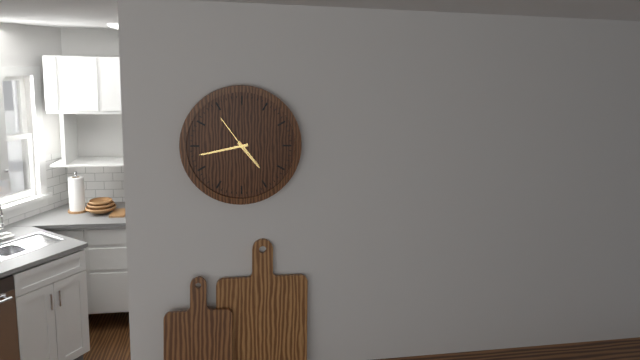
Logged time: 4,43
